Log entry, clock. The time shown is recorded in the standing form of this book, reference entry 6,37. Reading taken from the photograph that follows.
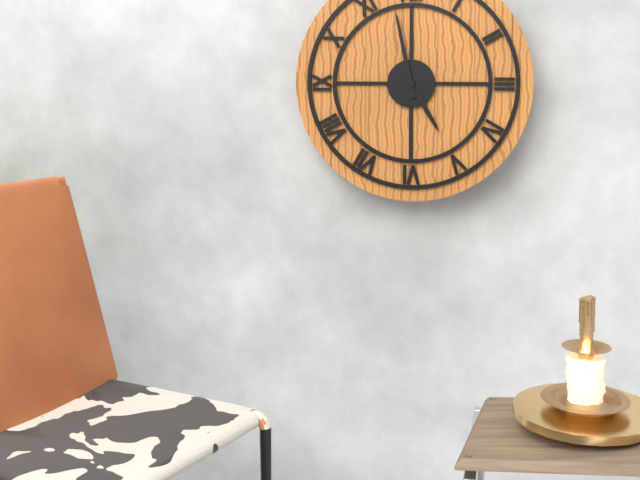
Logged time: 4,58
